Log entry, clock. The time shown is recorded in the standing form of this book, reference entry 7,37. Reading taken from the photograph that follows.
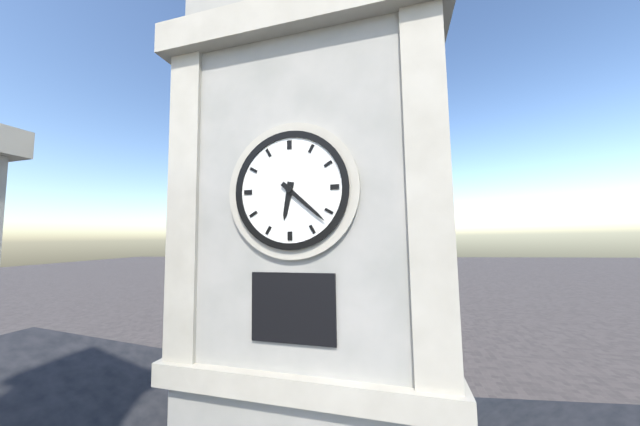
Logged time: 6,22
